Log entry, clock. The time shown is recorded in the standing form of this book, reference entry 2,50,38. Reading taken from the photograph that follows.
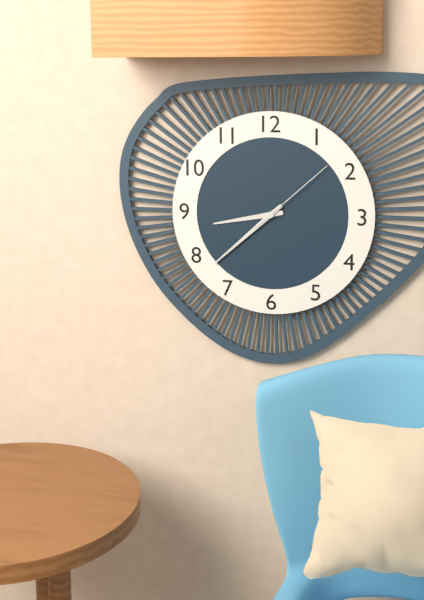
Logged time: 8,38,08
